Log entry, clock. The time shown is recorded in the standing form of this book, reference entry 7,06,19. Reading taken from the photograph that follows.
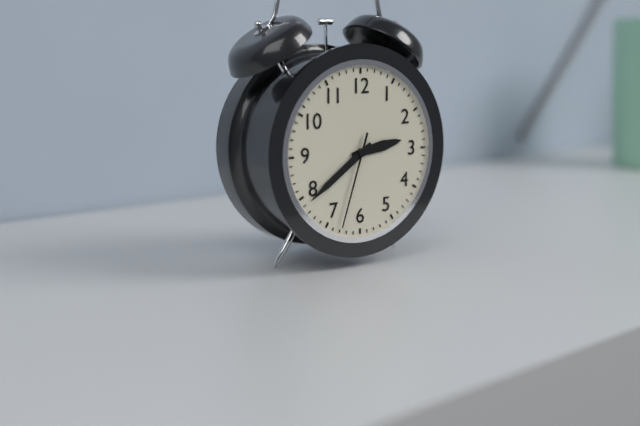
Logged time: 2,39,33
